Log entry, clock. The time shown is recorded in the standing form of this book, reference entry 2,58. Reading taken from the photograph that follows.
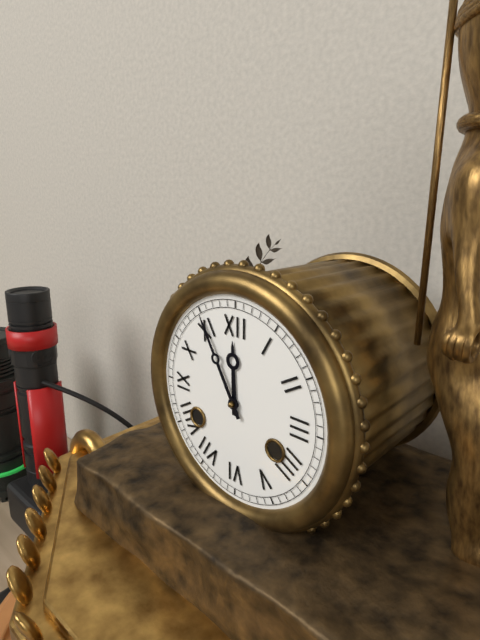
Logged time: 11,55
